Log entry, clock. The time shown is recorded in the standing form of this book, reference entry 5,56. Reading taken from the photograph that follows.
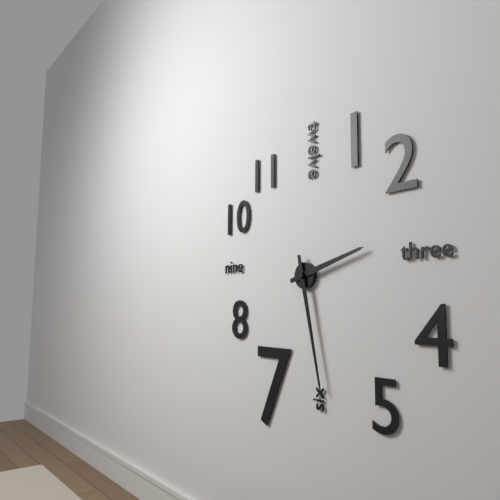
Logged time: 2,28
